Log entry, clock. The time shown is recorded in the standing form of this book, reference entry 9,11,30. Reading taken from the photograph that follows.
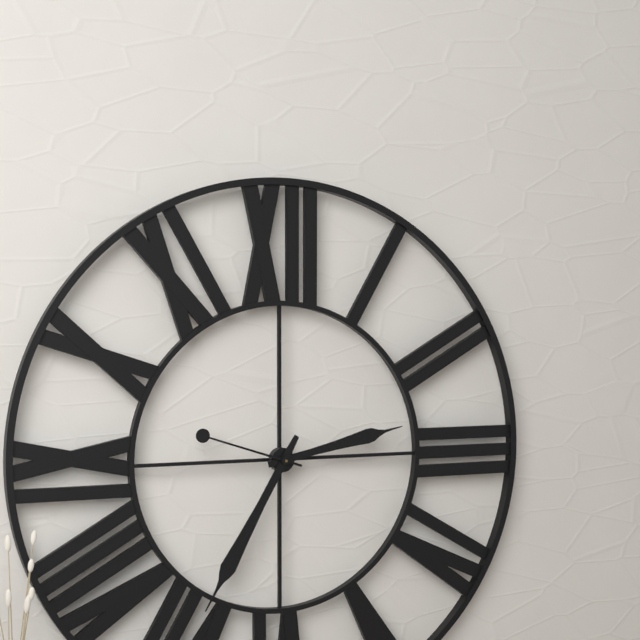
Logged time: 2,35,48
